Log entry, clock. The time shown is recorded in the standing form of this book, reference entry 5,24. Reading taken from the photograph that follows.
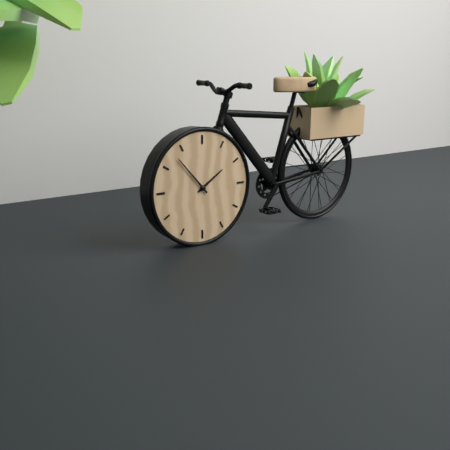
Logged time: 1,53
